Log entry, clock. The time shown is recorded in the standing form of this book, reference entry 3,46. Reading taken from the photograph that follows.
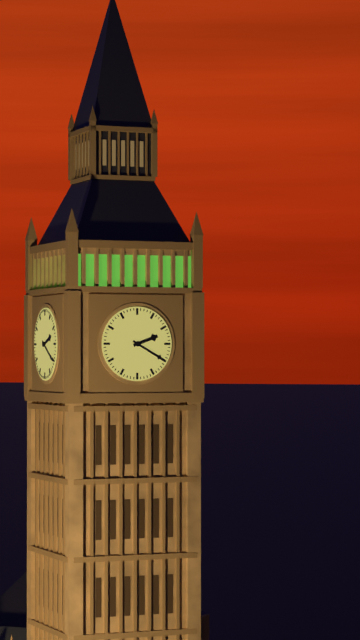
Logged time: 2,20
